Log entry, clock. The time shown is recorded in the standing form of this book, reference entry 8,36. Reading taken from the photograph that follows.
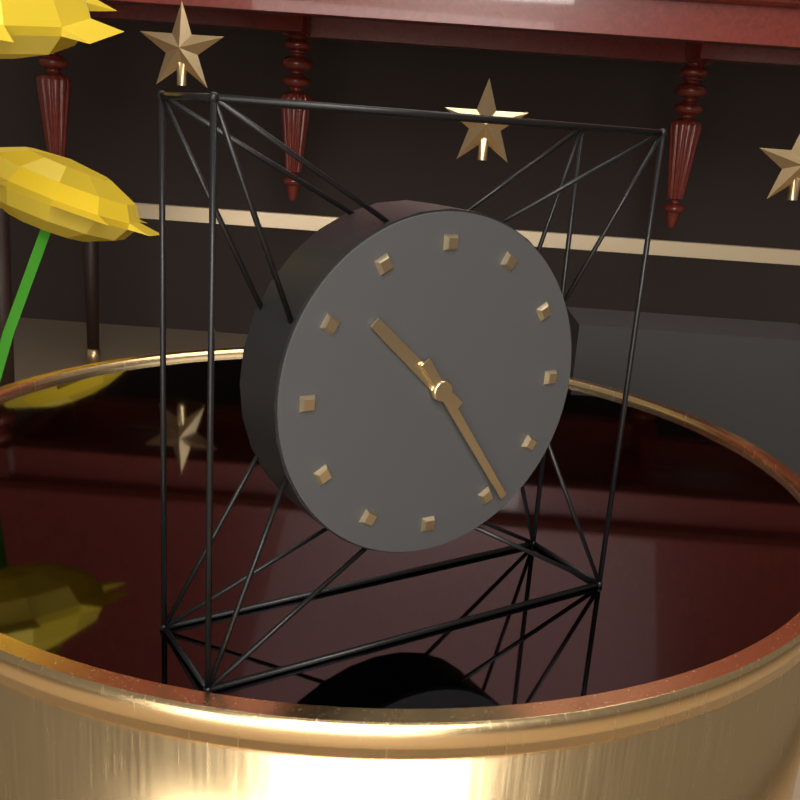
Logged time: 10,24
